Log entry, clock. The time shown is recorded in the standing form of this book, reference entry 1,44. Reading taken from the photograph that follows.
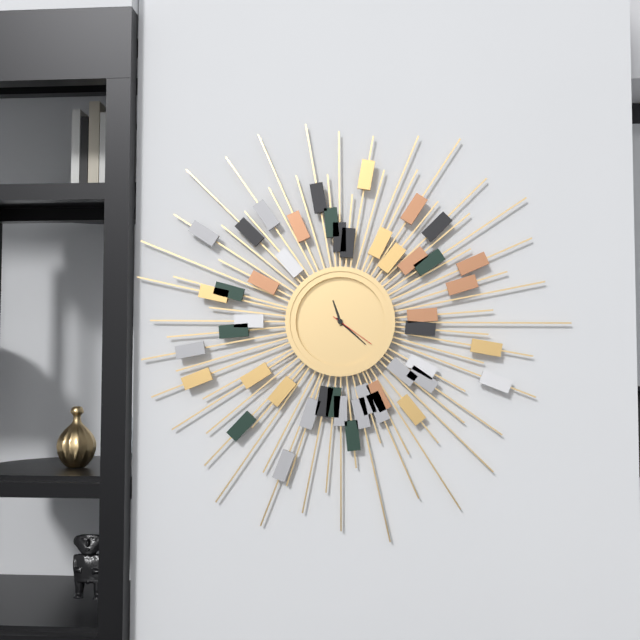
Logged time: 11,22
